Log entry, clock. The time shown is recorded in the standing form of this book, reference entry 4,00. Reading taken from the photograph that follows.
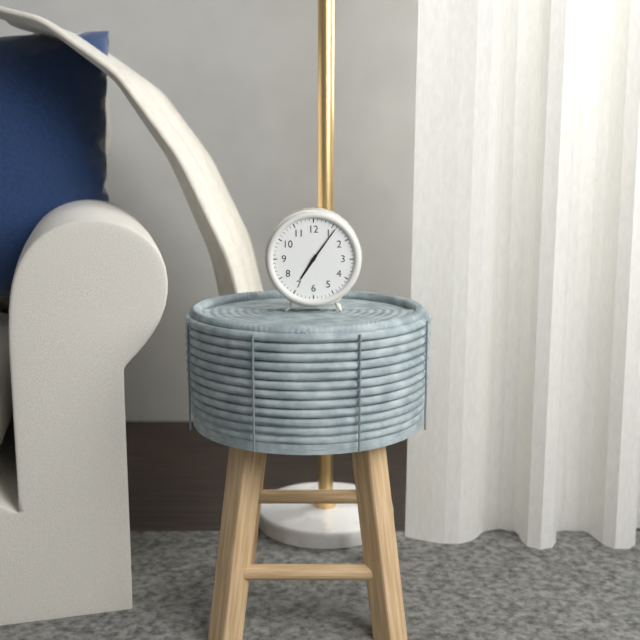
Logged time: 7,06
